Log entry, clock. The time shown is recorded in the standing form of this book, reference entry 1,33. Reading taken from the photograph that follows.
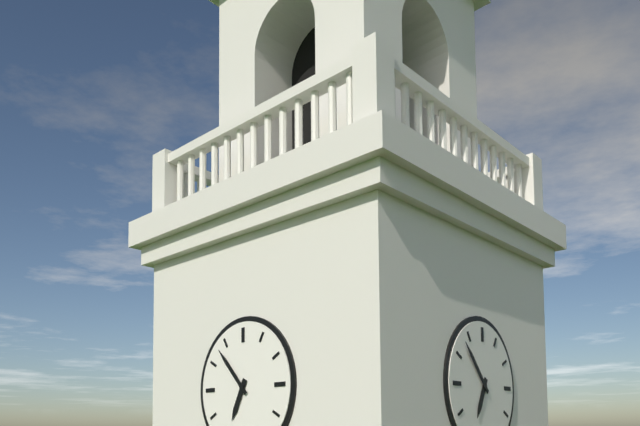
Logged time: 6,53
